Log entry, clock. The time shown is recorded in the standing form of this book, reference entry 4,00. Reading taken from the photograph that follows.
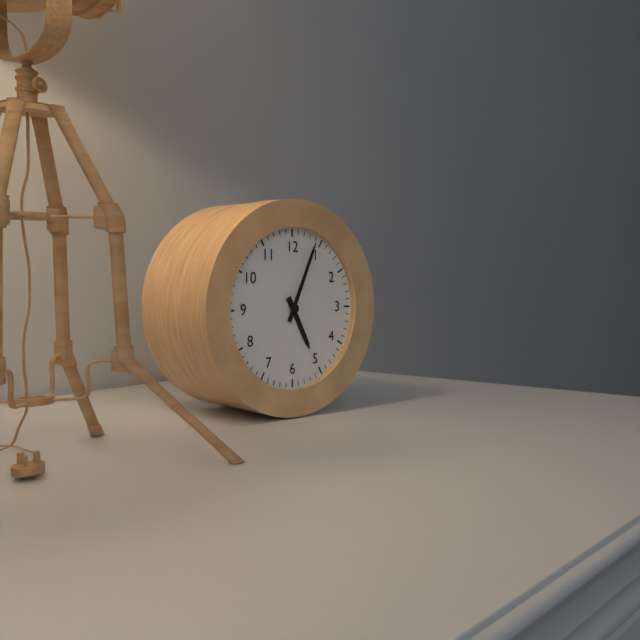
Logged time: 5,04
